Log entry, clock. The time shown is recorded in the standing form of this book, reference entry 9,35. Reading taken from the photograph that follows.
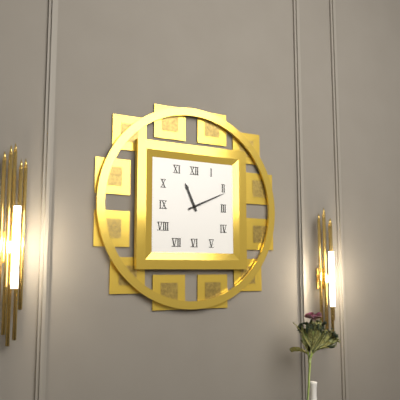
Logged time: 11,11
